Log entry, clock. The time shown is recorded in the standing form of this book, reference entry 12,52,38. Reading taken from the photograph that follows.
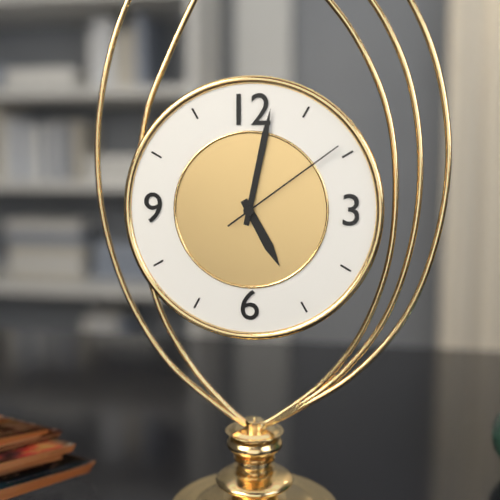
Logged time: 5,02,09
